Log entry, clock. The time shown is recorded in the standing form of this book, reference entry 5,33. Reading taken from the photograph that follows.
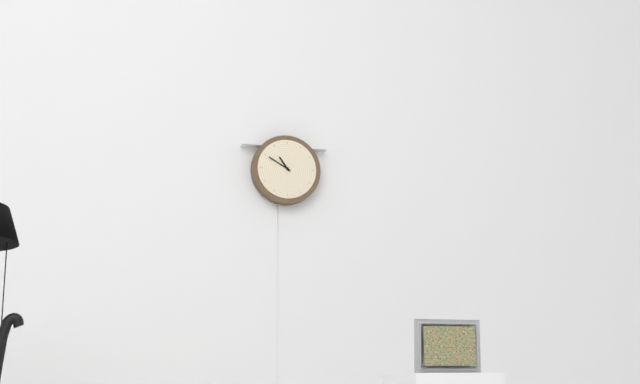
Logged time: 10,50
